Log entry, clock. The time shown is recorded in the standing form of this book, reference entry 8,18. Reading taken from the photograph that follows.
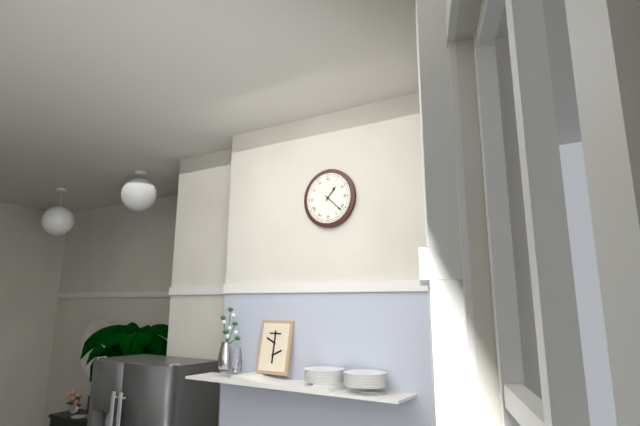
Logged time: 1,22
